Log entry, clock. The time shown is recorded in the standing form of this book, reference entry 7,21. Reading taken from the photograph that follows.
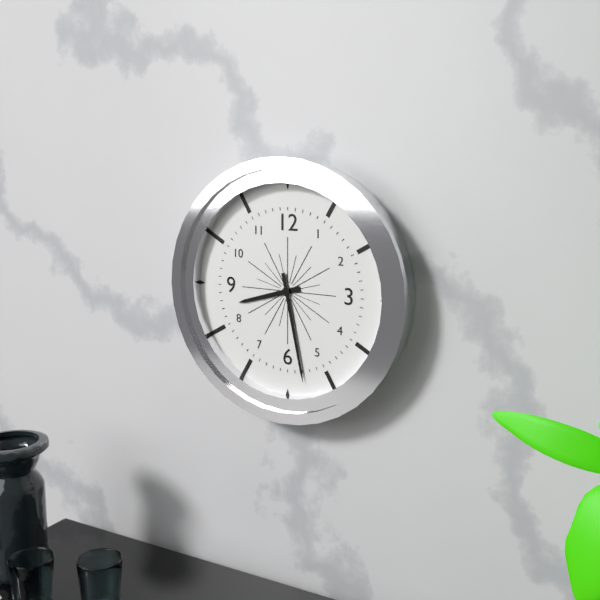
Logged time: 8,28
